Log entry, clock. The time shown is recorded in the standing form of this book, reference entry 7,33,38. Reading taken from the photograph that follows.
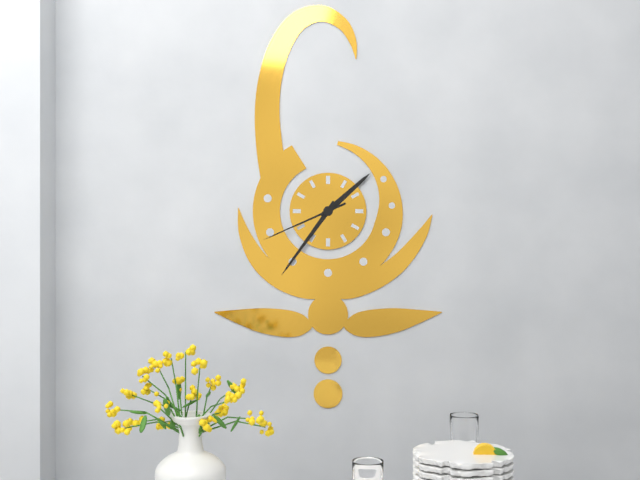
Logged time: 1,36,41
